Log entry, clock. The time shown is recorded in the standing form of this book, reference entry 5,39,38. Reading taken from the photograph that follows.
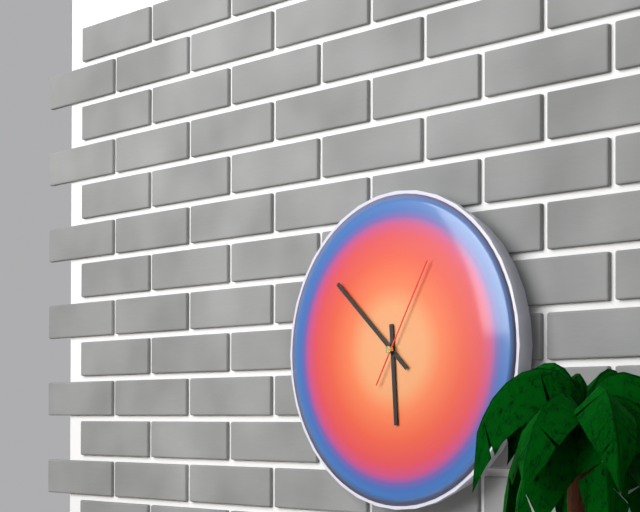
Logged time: 5,52,05
